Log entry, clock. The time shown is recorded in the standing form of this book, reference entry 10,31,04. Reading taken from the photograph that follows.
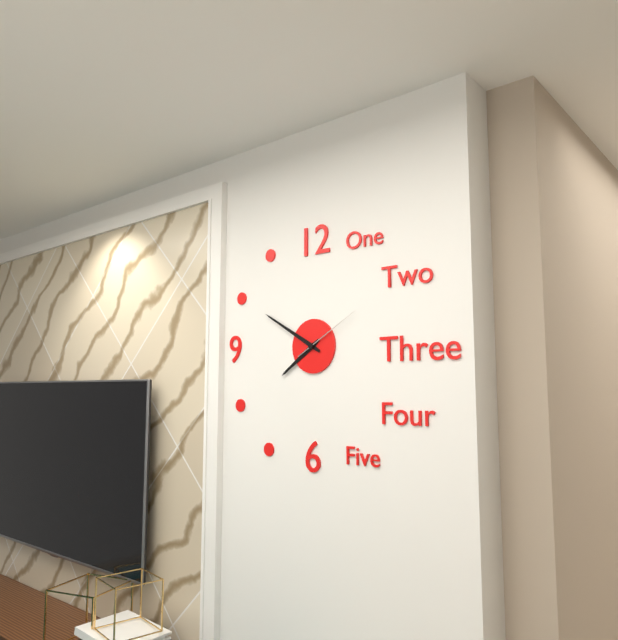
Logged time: 7,50,10
